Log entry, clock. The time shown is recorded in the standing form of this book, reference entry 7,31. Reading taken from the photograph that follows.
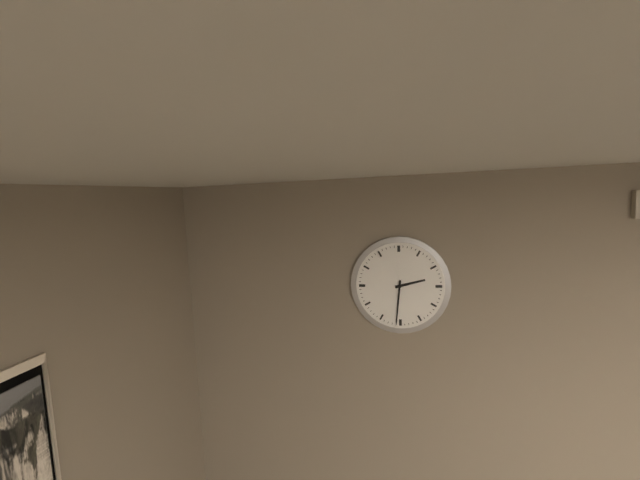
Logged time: 2,31
